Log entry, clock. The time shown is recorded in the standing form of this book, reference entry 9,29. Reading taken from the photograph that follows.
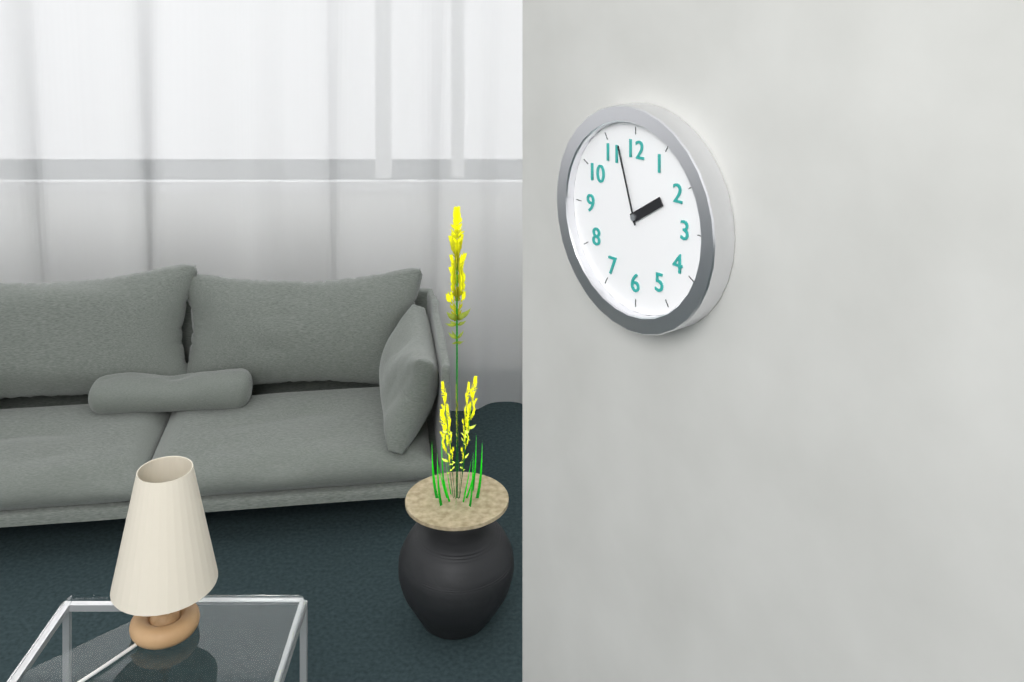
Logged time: 1,57
